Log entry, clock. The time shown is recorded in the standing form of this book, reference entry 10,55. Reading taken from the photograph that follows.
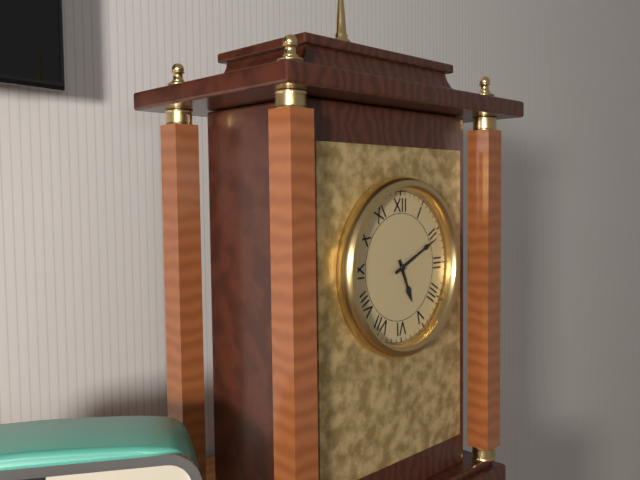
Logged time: 5,11
